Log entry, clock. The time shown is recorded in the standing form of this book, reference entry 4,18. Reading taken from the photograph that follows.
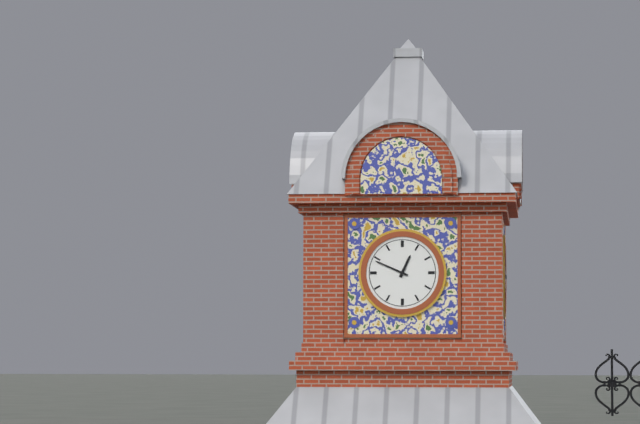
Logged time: 12,49
